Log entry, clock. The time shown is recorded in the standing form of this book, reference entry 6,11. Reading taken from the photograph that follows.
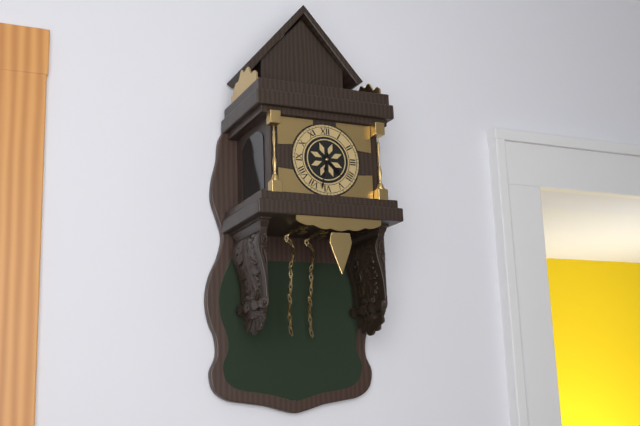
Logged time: 4,32
